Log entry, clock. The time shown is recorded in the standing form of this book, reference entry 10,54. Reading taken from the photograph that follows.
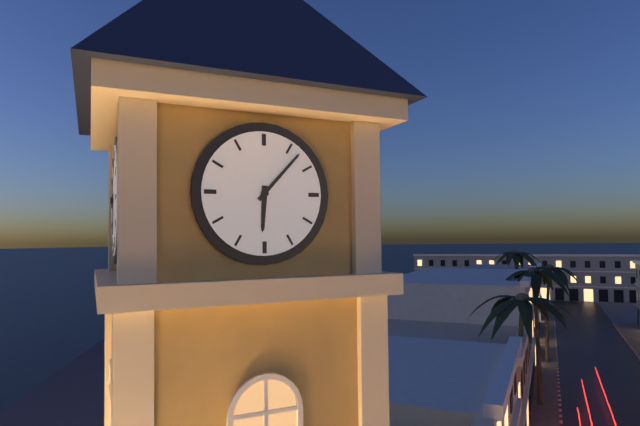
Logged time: 6,07
